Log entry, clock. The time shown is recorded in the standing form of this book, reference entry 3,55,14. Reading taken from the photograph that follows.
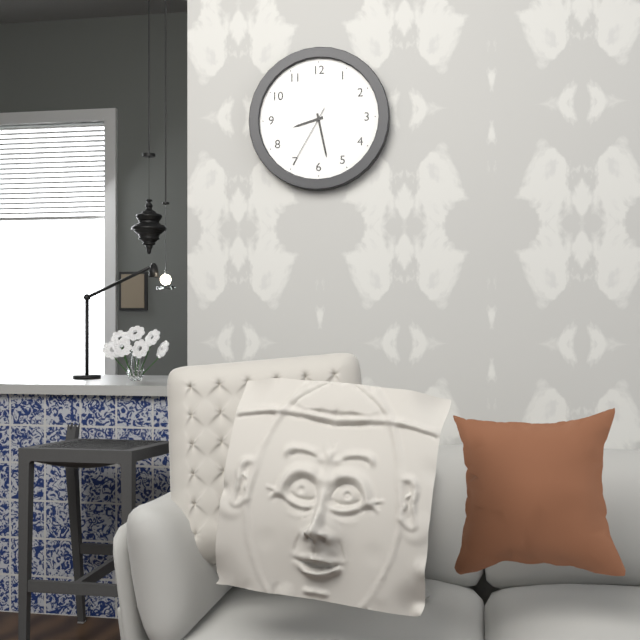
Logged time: 8,28,35
